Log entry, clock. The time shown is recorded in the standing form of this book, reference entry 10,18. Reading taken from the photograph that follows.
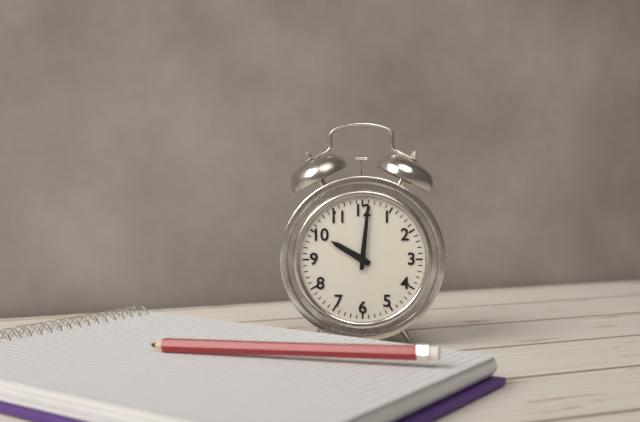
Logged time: 10,01
